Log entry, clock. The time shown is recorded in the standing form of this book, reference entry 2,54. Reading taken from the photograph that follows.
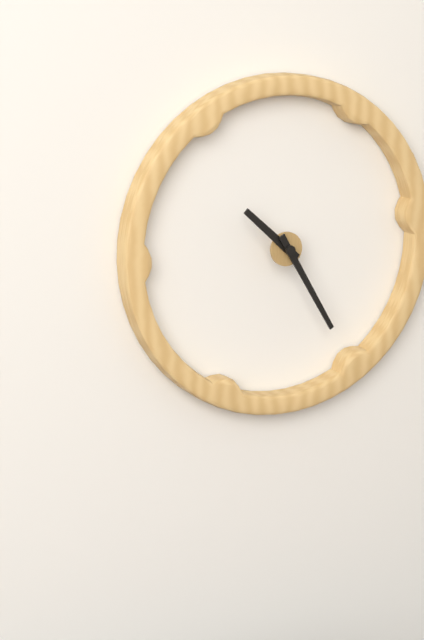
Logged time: 10,25
